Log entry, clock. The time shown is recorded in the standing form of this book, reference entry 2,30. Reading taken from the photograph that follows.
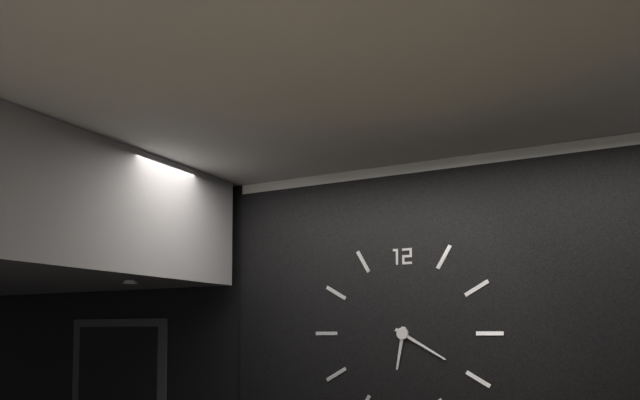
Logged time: 6,20
